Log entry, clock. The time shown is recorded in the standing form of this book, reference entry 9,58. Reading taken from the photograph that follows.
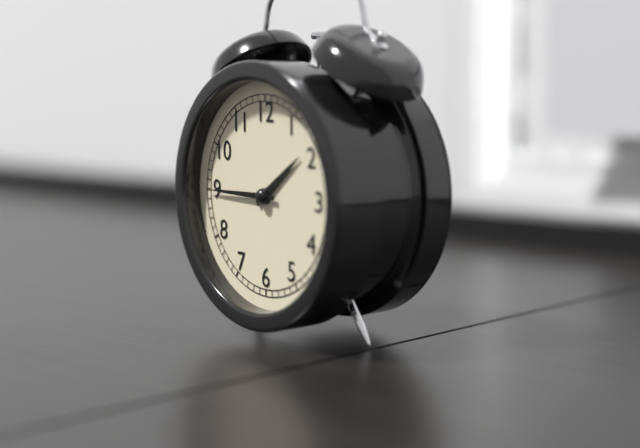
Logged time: 1,45
